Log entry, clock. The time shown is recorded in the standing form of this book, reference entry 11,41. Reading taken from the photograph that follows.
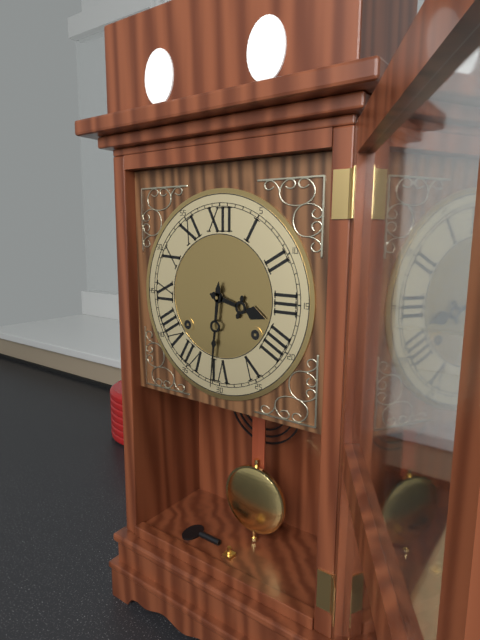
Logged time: 3,31
